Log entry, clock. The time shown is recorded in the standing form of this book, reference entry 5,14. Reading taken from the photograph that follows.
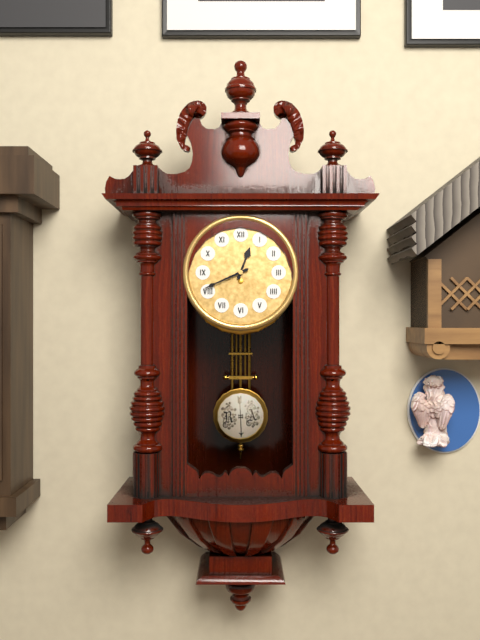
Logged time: 12,41
